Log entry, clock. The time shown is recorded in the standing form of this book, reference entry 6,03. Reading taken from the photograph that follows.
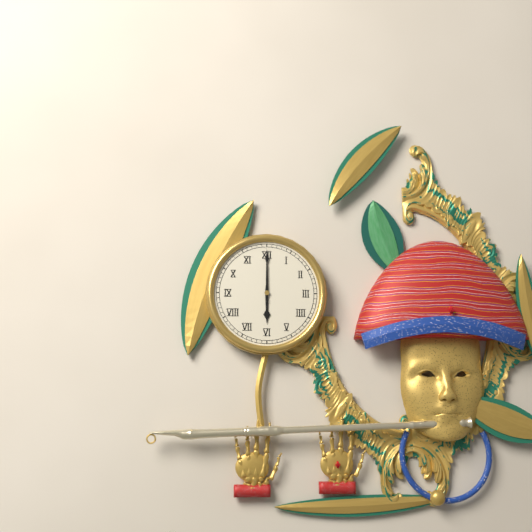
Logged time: 6,00
